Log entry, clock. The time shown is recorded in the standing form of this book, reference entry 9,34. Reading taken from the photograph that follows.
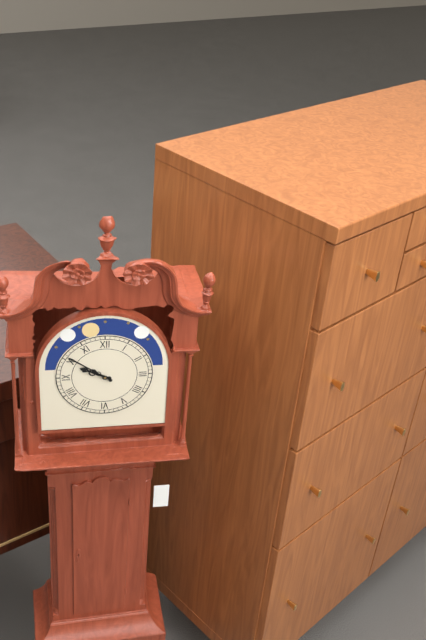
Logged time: 9,51
